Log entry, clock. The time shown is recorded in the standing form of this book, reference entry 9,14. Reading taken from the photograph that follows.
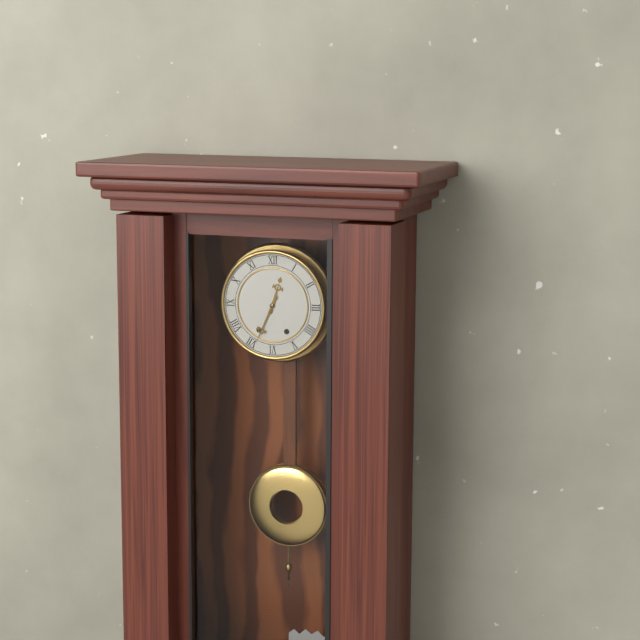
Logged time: 12,34
